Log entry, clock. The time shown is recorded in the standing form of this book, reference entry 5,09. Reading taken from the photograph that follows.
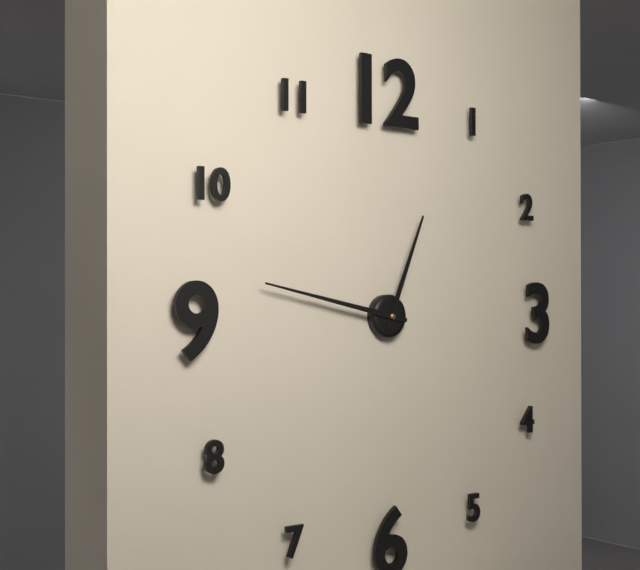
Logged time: 12,47
